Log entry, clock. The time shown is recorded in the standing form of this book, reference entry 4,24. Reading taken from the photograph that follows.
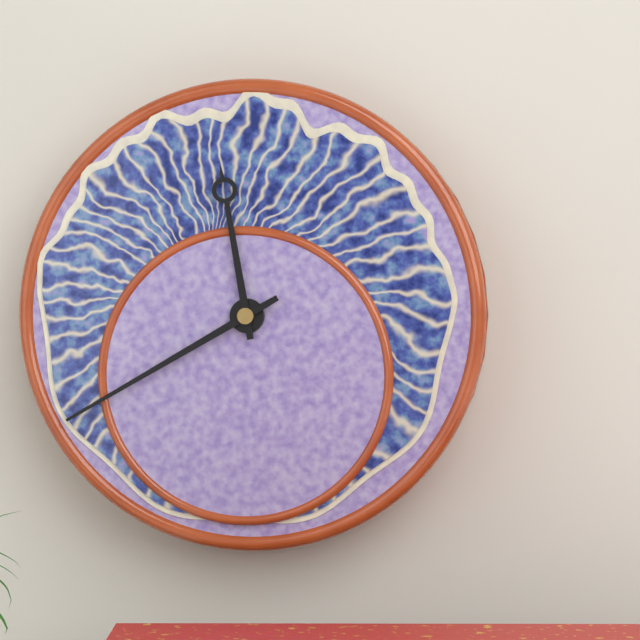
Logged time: 11,40
